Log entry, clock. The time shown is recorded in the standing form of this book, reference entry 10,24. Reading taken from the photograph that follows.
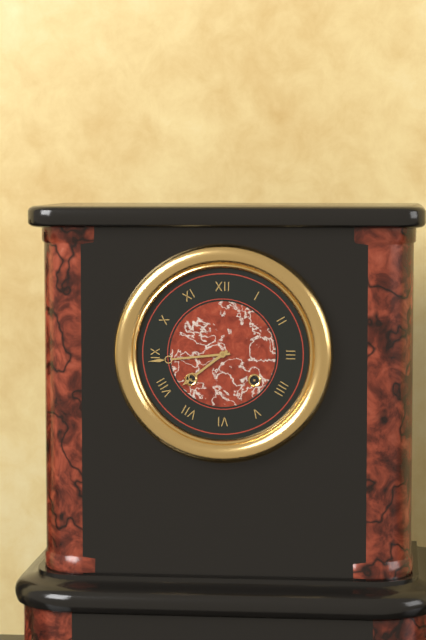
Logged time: 7,44
